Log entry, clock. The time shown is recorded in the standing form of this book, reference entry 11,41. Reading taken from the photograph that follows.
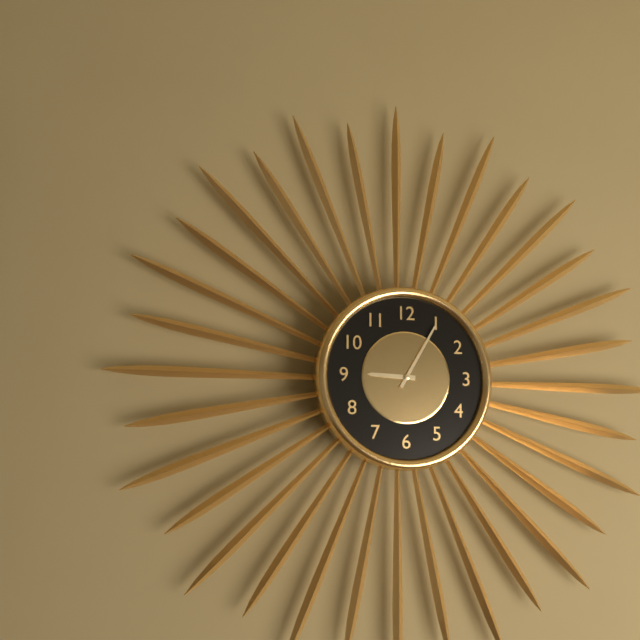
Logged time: 9,05
